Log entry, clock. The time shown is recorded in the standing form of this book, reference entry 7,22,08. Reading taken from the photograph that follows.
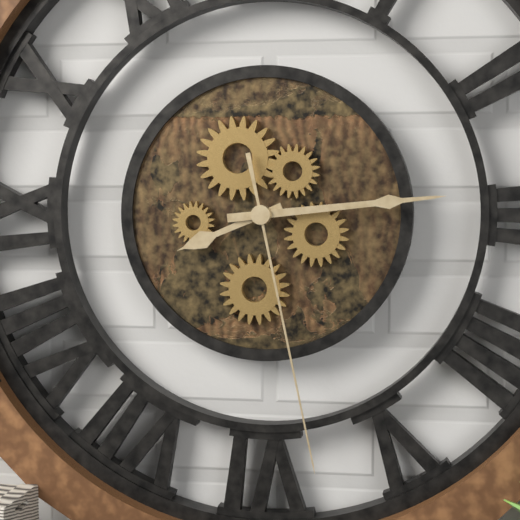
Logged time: 8,14,28
